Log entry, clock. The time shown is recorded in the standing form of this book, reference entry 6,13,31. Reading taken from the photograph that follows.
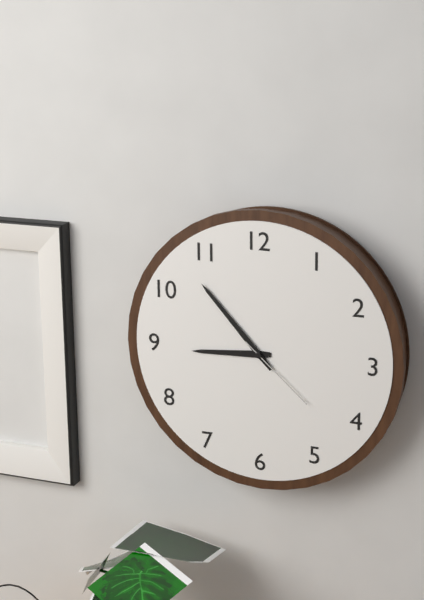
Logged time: 8,53,22
